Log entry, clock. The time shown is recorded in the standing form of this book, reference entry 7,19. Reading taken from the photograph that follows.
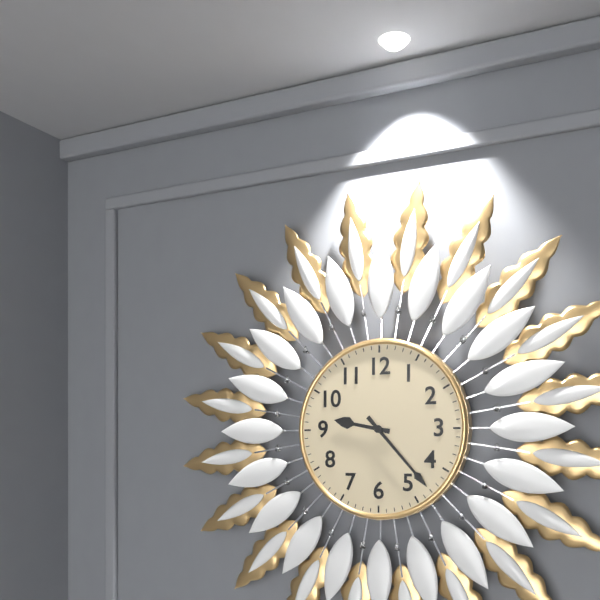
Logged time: 9,23
